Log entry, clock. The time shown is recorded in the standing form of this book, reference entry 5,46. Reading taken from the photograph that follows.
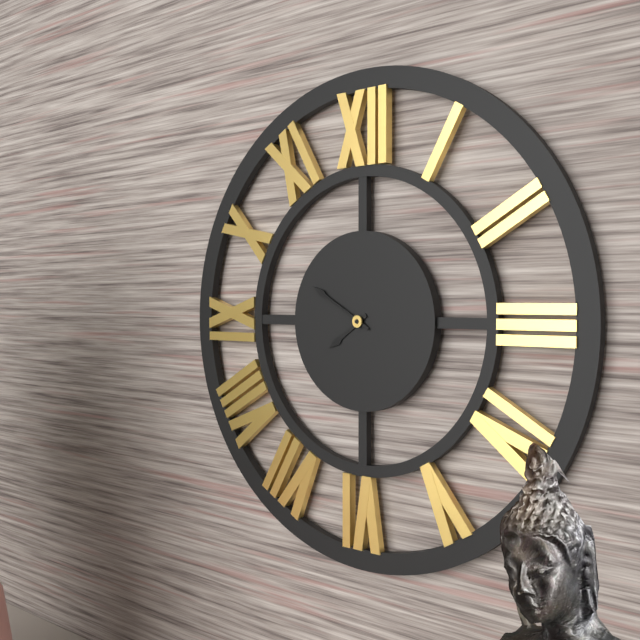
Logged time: 7,50
